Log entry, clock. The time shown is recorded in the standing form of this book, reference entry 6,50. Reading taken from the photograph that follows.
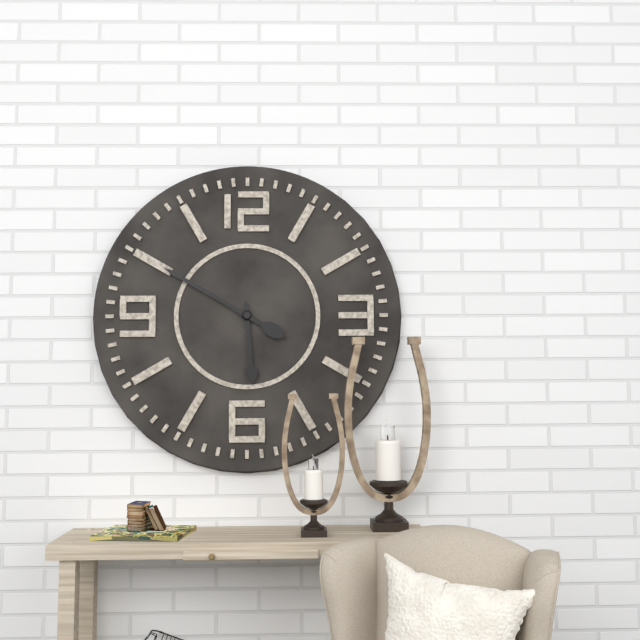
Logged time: 5,50
